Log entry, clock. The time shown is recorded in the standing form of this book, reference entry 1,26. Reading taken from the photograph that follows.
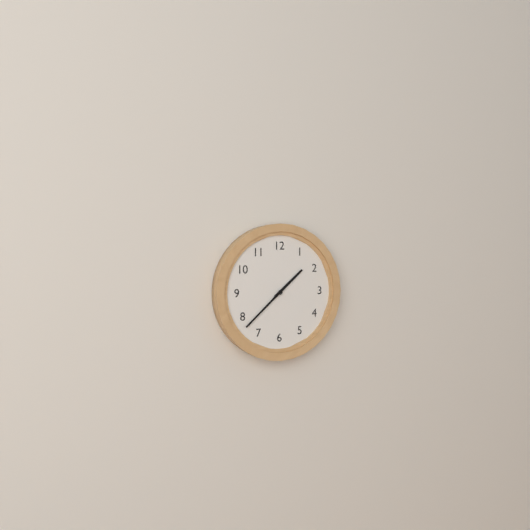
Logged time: 1,38
